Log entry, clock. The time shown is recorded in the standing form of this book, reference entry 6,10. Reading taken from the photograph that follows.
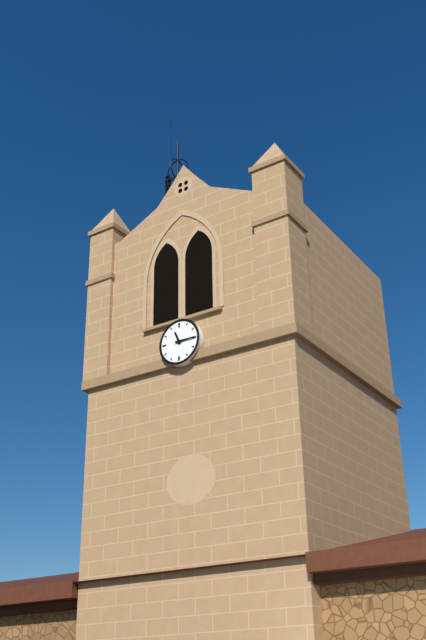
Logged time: 11,15
